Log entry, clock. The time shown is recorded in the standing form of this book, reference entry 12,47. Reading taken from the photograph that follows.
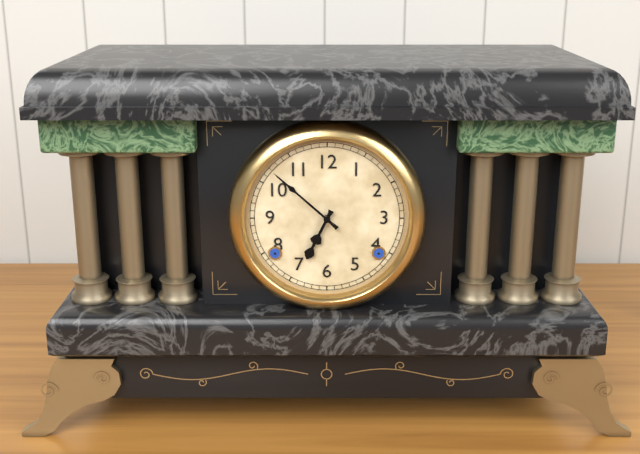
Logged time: 6,52
